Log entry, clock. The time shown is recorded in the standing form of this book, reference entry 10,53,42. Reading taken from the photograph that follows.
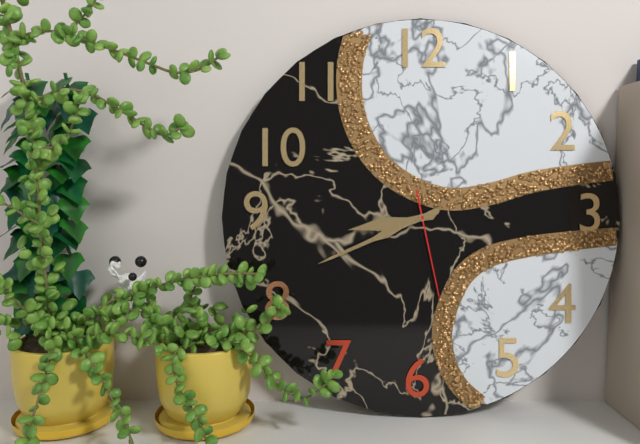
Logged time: 8,41,28
